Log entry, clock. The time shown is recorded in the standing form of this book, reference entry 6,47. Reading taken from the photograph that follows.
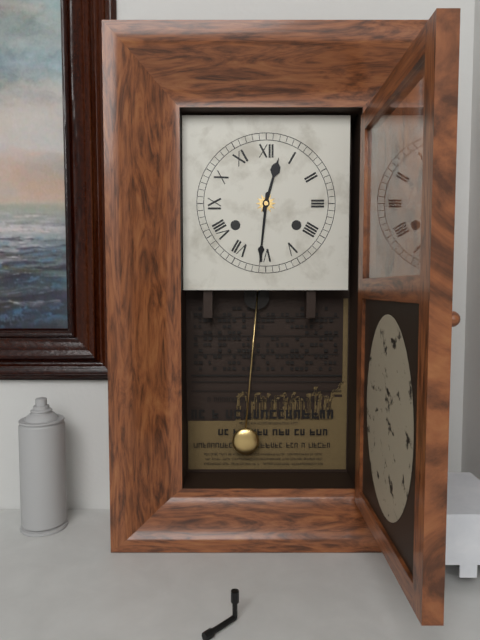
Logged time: 12,31
